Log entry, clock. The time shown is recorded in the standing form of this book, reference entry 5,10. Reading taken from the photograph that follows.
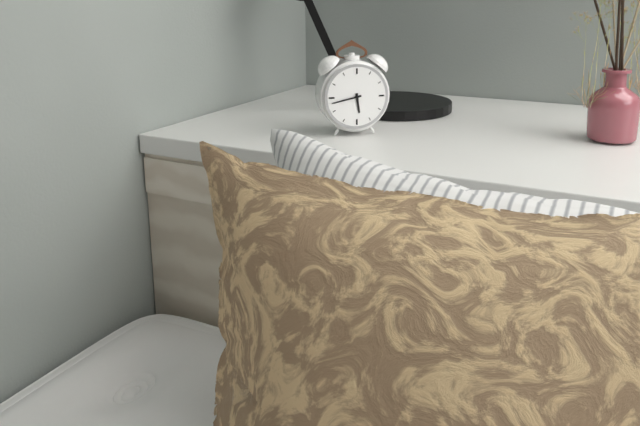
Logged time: 5,43
